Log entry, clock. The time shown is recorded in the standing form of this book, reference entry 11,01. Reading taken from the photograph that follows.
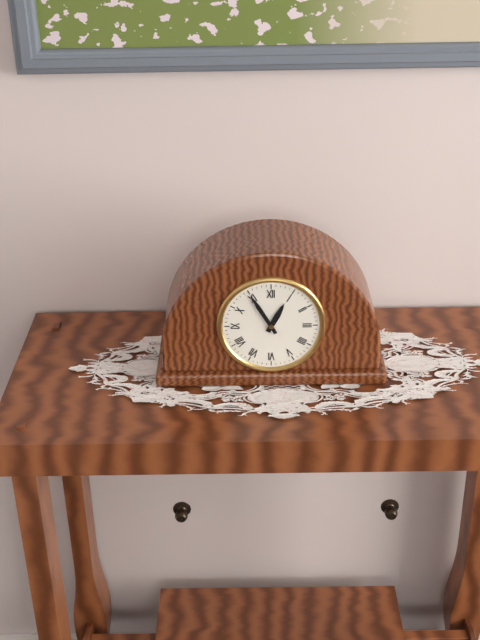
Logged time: 12,55
